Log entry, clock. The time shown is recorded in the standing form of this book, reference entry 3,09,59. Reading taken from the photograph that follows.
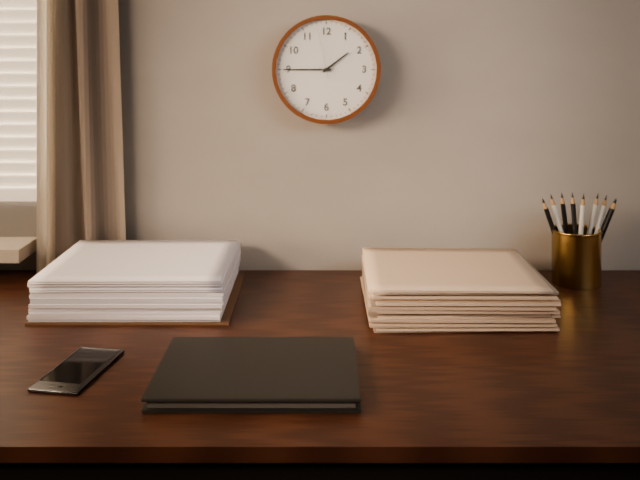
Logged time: 1,45,58
